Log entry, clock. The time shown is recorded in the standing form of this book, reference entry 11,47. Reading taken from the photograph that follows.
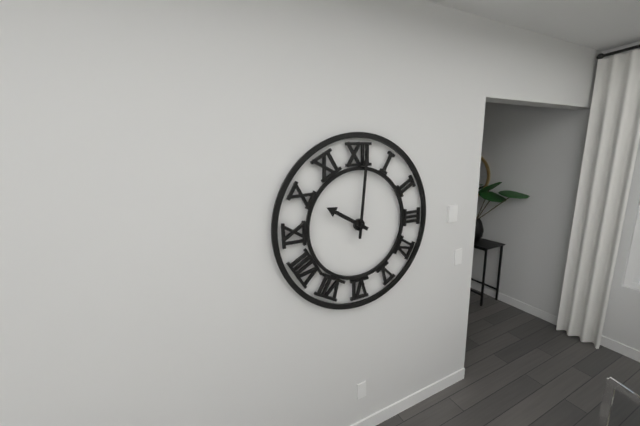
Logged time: 10,01
